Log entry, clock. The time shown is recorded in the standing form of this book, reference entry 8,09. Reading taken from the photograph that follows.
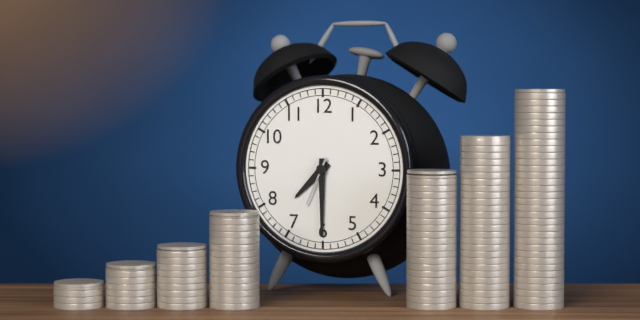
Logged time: 7,30
